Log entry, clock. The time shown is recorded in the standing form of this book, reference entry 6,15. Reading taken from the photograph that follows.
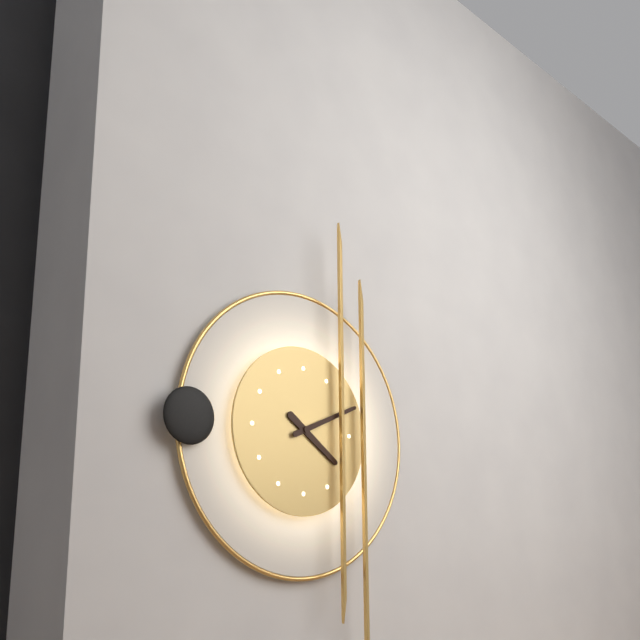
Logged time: 4,11
